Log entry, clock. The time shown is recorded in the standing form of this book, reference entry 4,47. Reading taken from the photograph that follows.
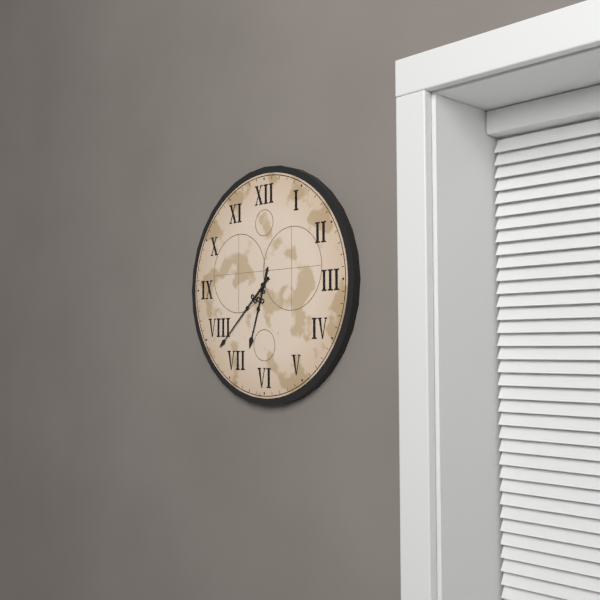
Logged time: 6,38
